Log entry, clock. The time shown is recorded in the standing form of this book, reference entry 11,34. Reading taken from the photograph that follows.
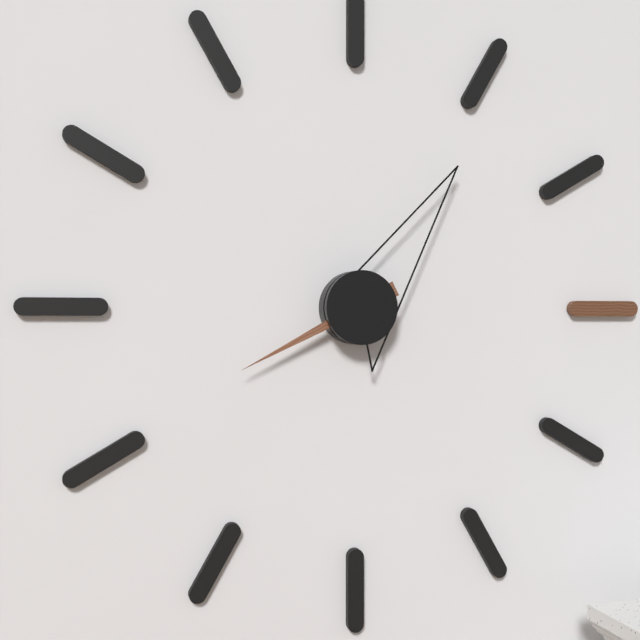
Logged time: 8,06
